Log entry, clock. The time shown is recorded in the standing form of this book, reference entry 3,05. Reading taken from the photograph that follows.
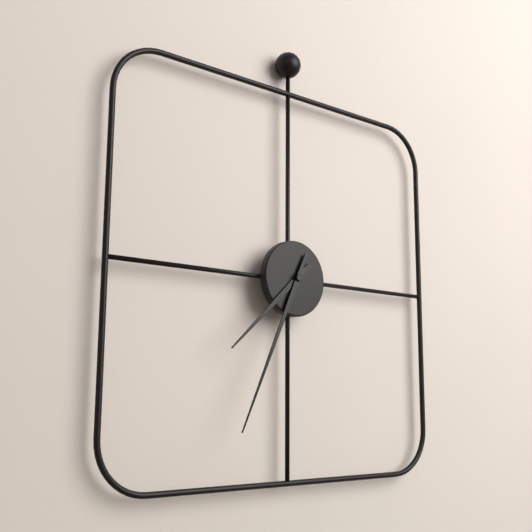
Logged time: 7,34
